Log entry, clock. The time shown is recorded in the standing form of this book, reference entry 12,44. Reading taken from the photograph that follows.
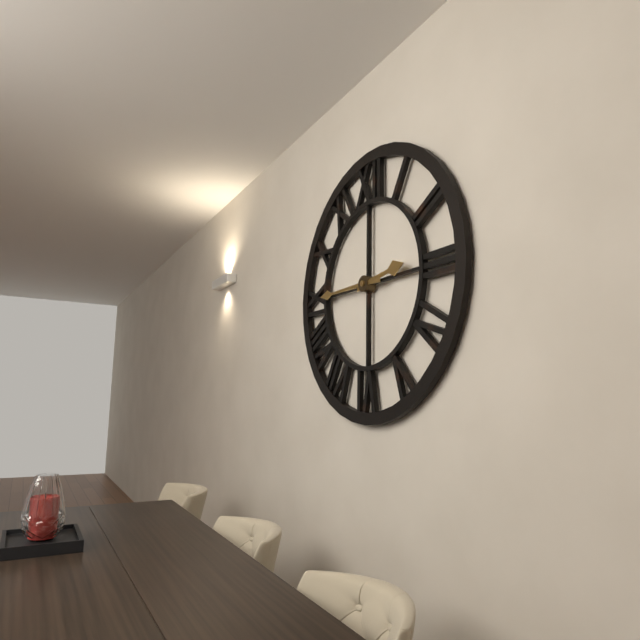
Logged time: 2,45
